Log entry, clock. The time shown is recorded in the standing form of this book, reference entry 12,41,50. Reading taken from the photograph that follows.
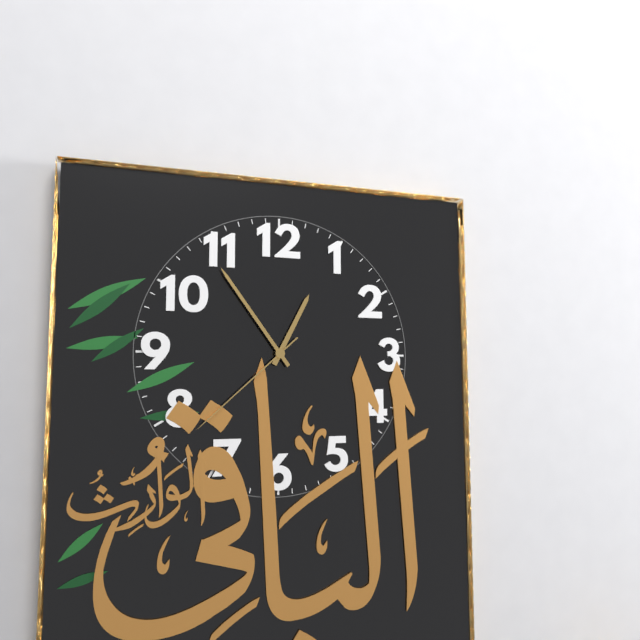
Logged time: 12,54,38
